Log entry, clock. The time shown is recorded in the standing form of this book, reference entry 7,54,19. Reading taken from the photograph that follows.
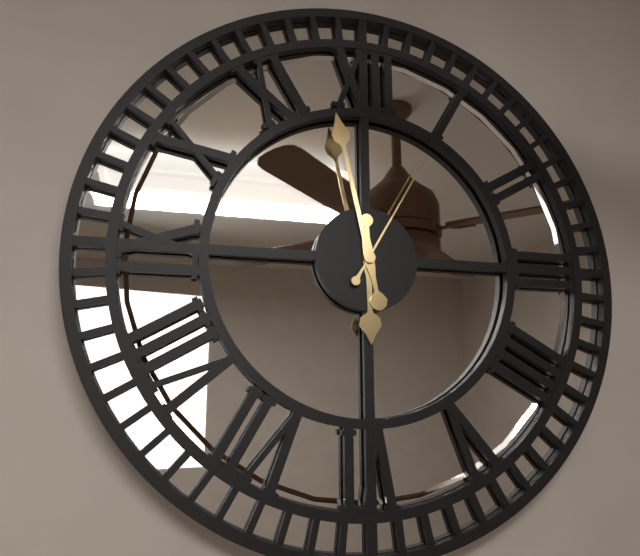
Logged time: 5,58,05
